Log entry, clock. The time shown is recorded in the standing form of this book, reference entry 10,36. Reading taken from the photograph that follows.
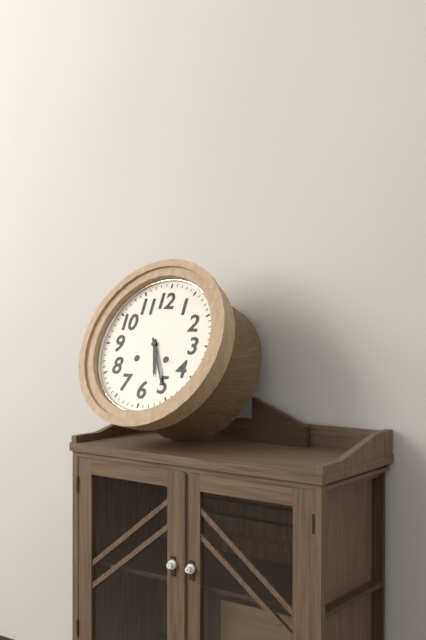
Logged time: 5,25
